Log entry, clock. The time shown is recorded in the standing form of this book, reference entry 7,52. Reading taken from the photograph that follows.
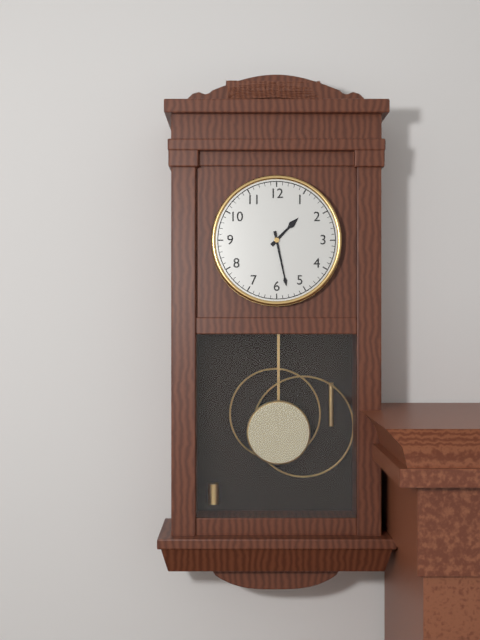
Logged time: 1,28
